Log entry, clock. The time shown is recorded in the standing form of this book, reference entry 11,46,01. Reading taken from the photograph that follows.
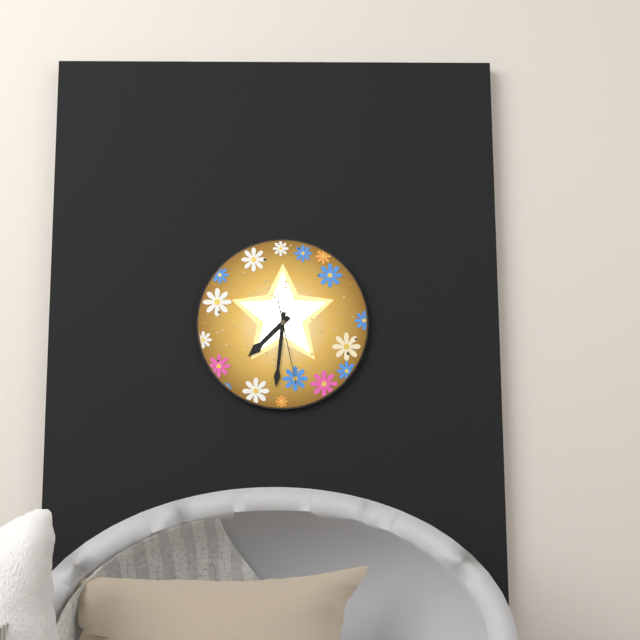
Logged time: 7,31,28
